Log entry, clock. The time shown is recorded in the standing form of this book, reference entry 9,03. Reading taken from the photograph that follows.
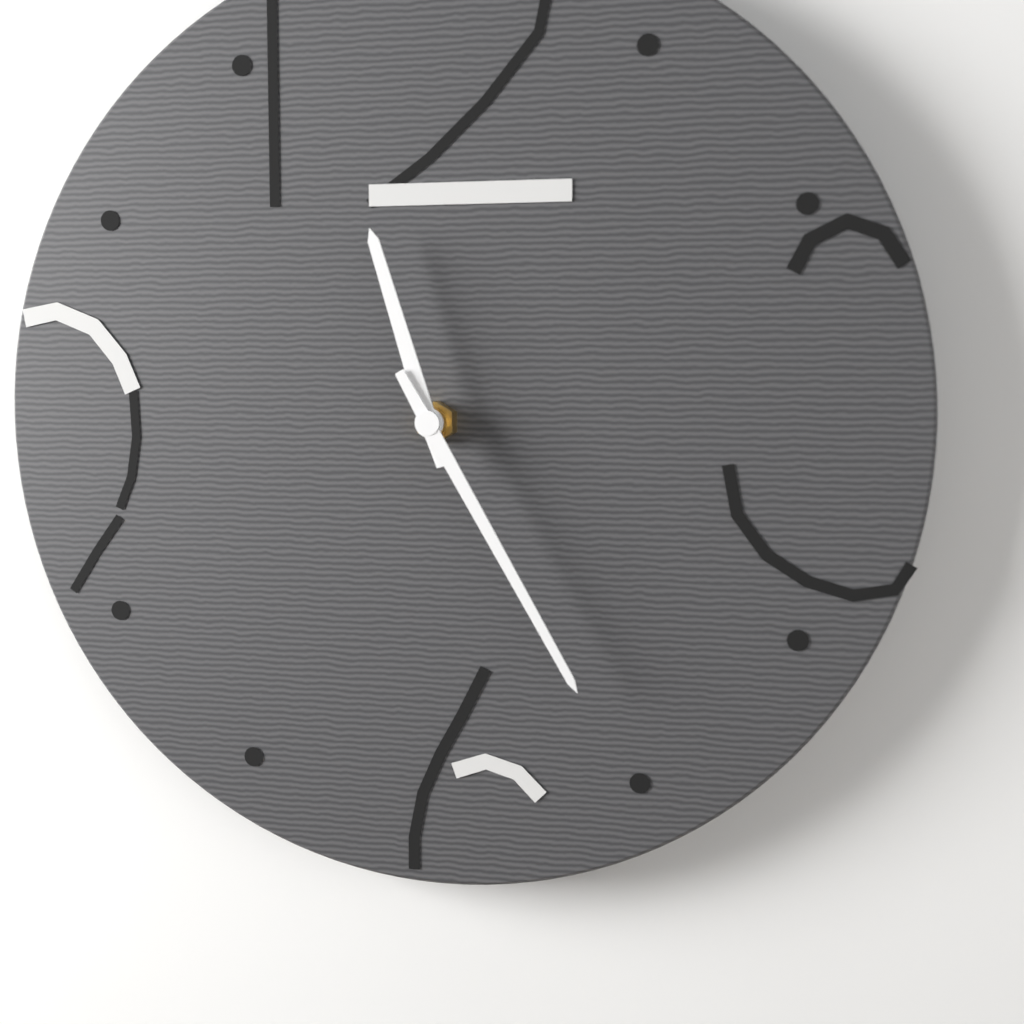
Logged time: 11,25
